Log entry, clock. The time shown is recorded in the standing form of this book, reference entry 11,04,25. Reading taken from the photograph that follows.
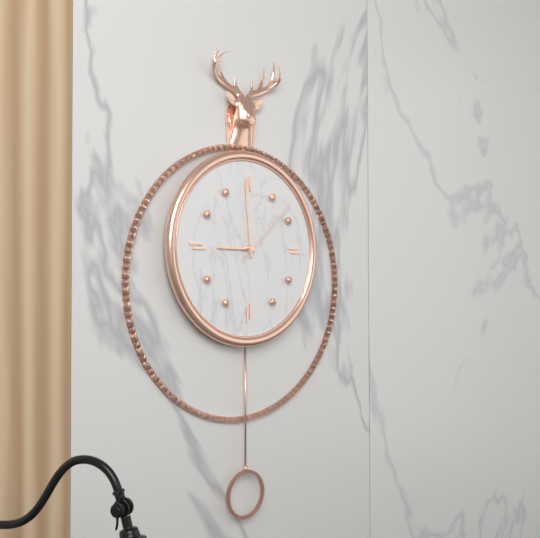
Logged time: 8,59,08
